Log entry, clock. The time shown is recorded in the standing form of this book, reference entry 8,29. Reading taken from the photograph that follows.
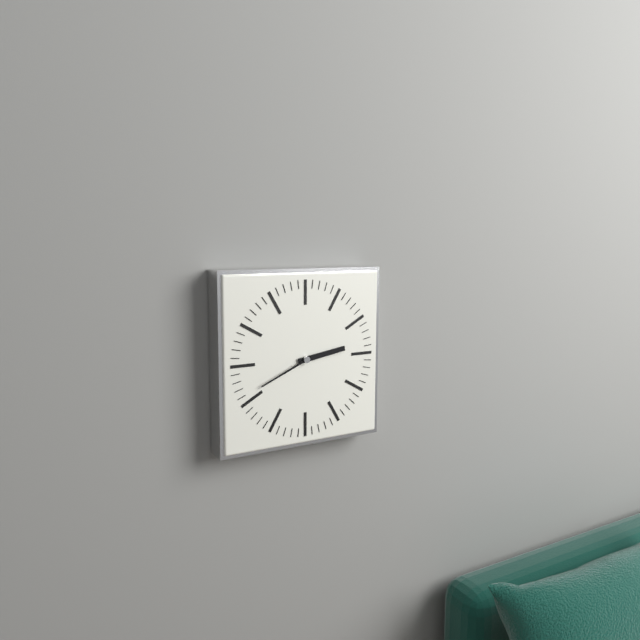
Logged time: 2,41
